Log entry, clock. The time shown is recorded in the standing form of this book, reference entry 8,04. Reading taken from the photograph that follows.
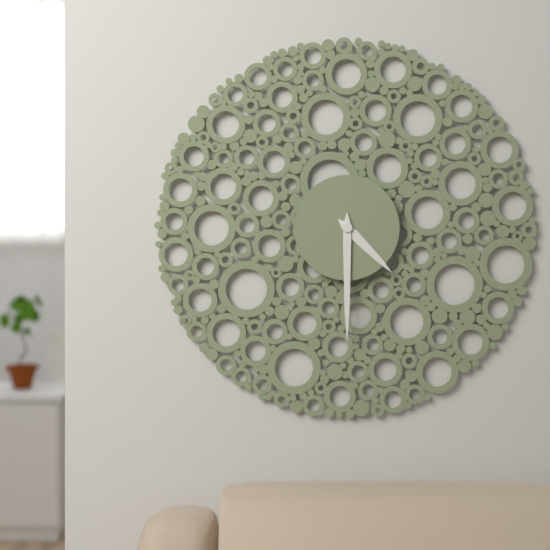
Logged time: 4,30
